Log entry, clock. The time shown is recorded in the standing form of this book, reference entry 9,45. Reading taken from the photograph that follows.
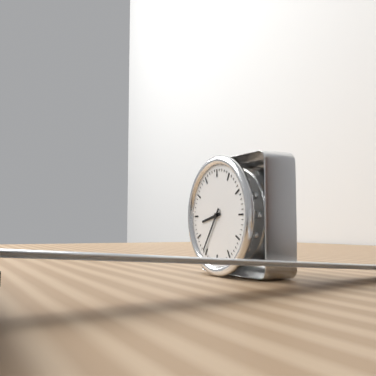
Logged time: 8,36
